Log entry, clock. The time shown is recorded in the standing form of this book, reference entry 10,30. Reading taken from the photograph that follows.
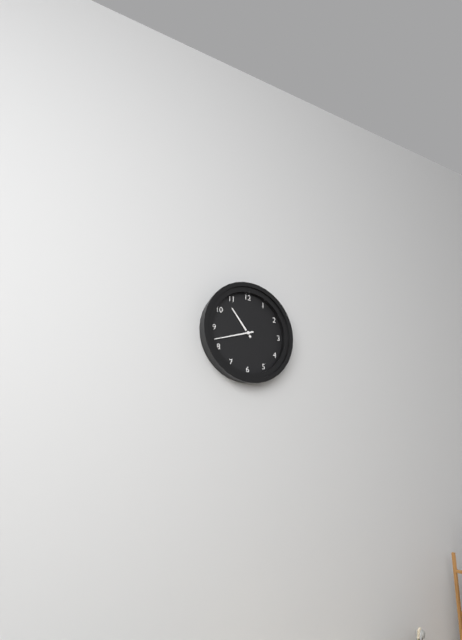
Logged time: 10,42
